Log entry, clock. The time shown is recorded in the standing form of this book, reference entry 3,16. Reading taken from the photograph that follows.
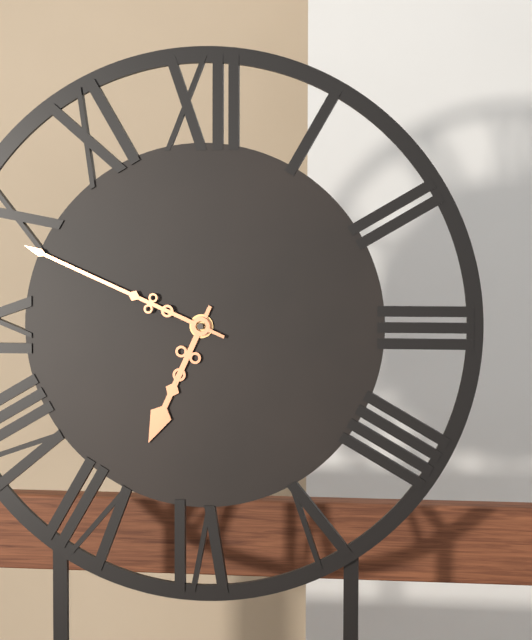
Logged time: 6,49
